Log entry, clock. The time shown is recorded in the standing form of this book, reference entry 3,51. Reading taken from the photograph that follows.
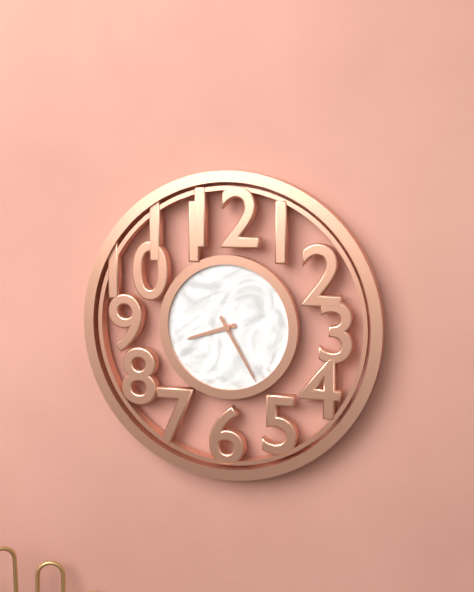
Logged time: 8,25
